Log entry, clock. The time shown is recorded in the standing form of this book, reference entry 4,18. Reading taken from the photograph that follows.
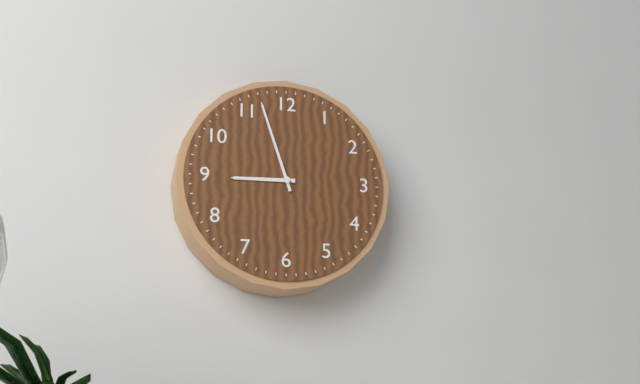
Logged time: 8,57
